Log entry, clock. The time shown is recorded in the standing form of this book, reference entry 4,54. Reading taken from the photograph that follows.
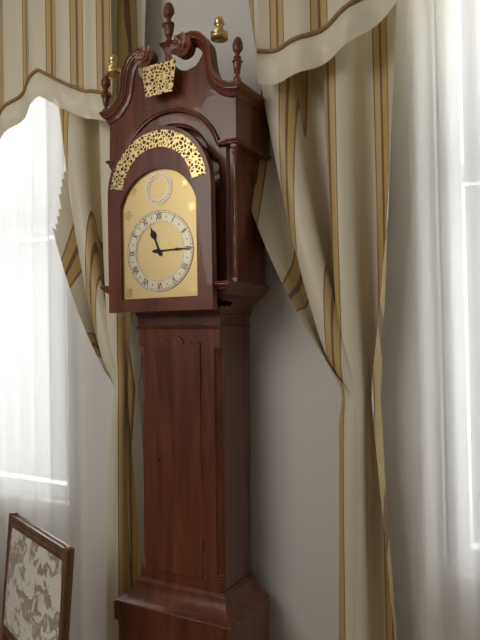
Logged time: 11,15
